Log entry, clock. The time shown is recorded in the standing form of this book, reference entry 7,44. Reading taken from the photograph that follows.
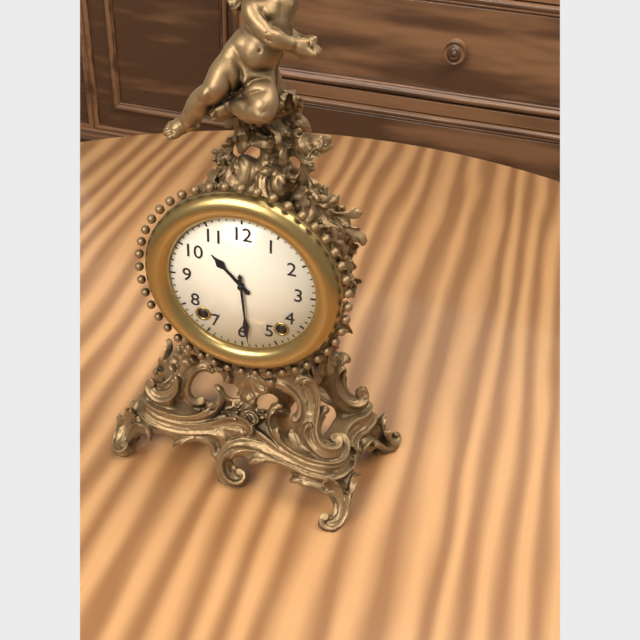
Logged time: 10,29
